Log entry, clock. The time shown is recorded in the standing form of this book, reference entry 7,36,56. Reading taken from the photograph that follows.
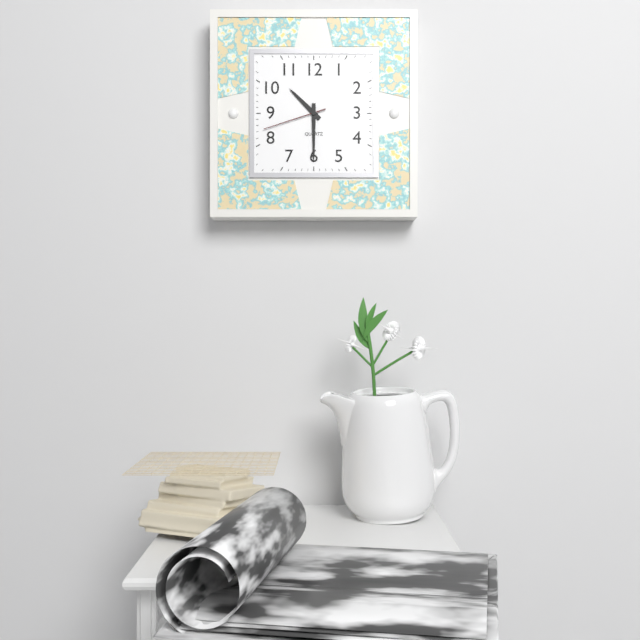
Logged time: 10,30,42
